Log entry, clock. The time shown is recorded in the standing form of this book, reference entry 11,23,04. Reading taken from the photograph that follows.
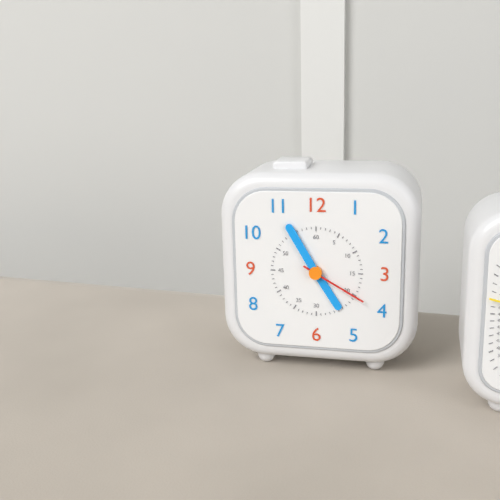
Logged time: 4,55,20
